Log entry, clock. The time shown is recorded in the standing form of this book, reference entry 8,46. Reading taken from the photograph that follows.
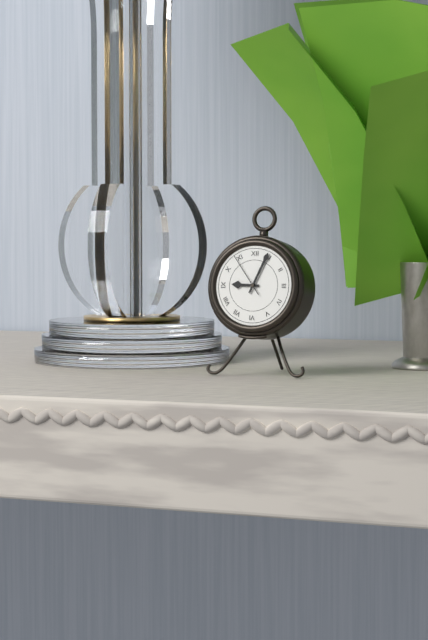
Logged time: 9,04
